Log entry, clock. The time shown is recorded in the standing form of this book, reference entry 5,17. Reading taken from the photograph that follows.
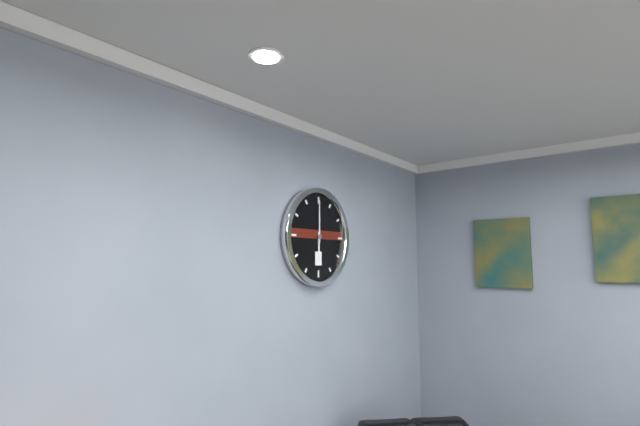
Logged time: 6,00
